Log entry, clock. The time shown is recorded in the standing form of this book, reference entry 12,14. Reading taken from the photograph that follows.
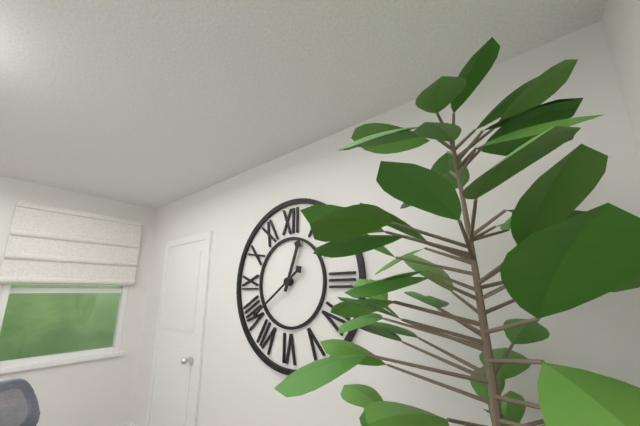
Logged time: 12,39
